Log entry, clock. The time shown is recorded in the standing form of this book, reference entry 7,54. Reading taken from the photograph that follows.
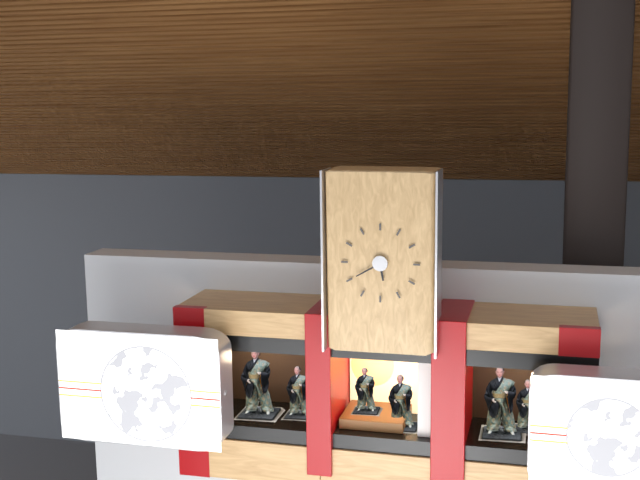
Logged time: 5,40
